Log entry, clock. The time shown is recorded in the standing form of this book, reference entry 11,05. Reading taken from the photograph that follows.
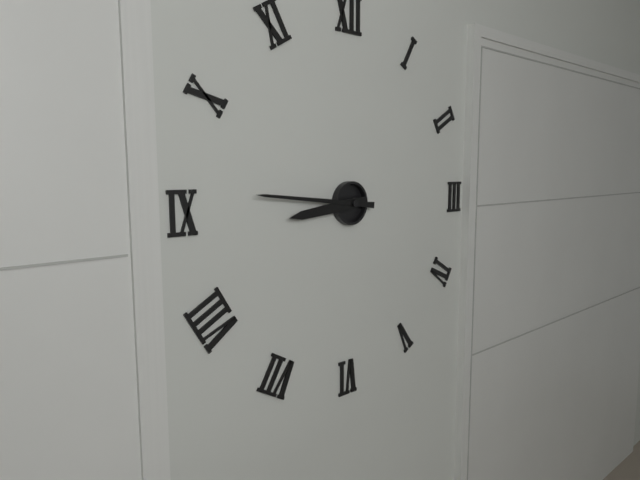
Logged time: 8,46
